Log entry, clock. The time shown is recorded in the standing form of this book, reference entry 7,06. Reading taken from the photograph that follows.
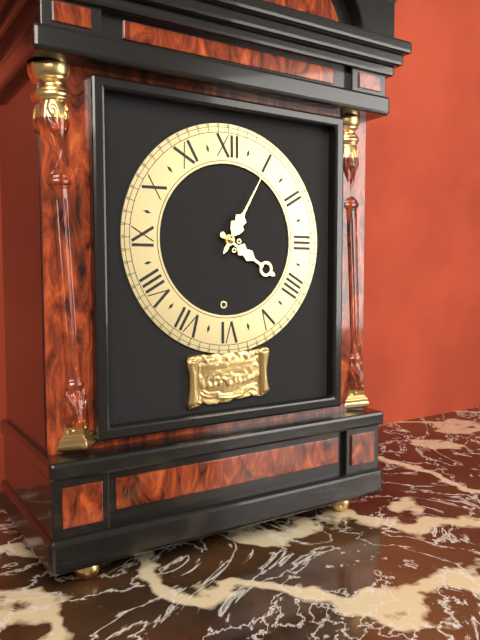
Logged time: 4,05
